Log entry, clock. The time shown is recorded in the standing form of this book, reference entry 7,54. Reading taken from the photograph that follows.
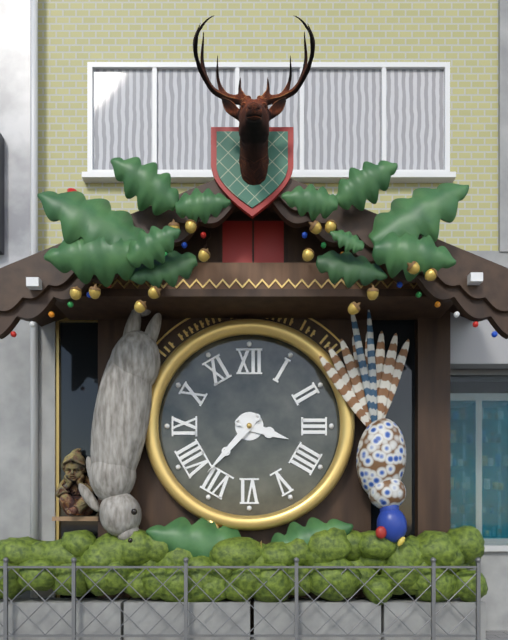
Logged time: 3,37
